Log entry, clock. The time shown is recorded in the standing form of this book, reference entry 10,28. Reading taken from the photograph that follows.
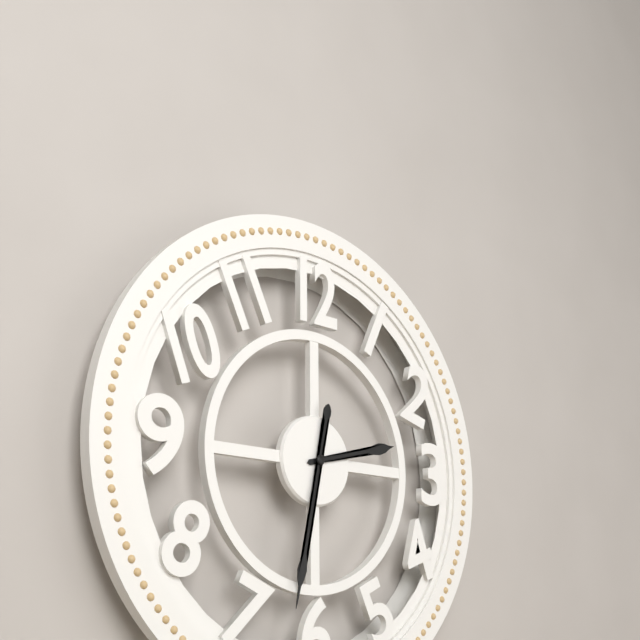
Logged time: 2,32
